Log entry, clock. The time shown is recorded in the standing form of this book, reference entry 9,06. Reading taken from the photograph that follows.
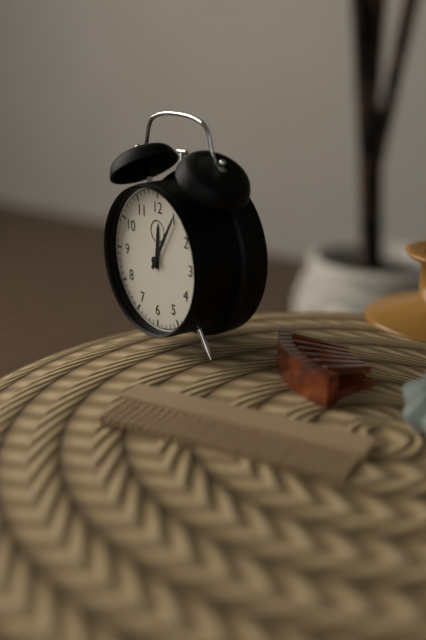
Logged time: 12,05
